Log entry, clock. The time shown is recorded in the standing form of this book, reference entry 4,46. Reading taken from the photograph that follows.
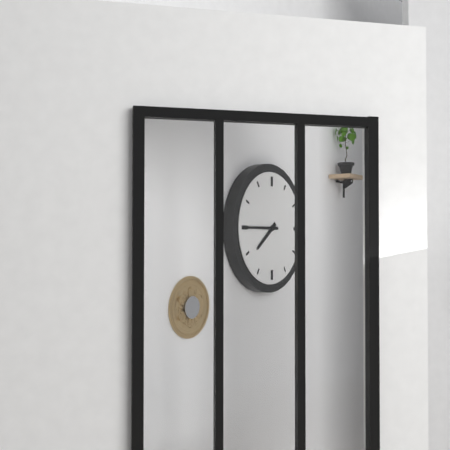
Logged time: 7,45
